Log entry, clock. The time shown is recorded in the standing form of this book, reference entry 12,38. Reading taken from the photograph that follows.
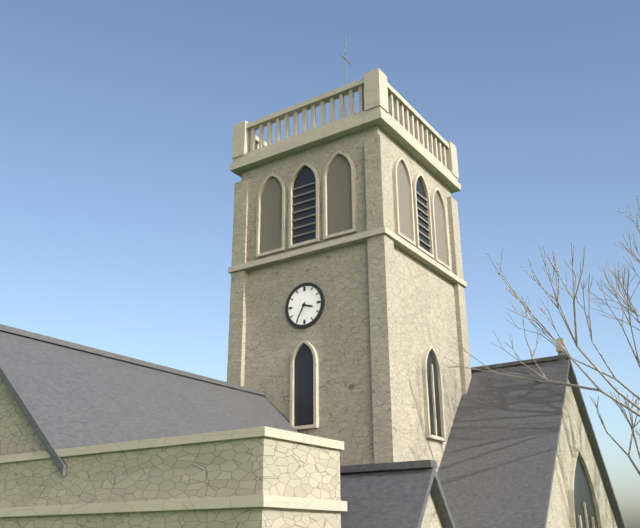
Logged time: 3,35
